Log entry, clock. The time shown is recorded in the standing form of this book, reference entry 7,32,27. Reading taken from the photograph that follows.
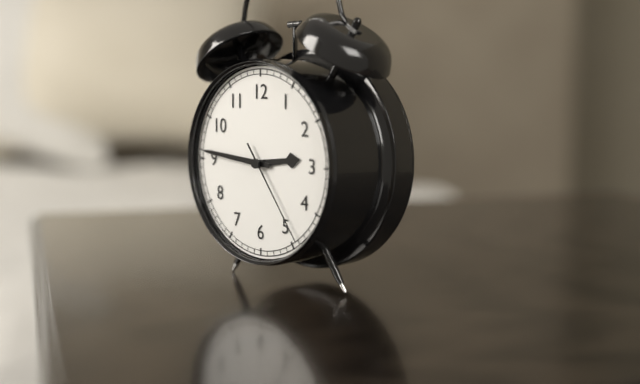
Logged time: 2,46,24
